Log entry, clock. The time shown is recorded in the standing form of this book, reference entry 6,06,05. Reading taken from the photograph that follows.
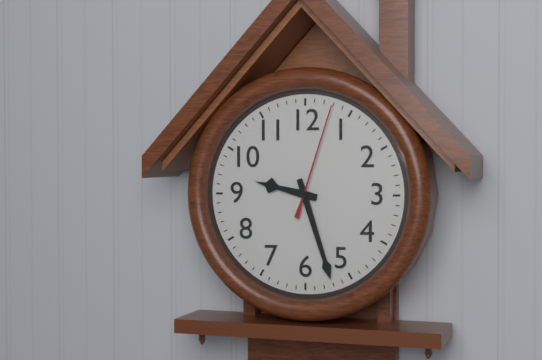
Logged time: 9,27,03
